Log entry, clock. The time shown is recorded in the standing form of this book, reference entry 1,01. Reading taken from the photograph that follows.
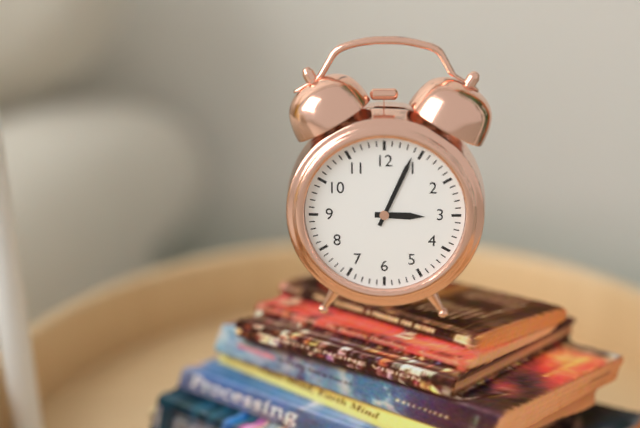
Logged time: 3,04
